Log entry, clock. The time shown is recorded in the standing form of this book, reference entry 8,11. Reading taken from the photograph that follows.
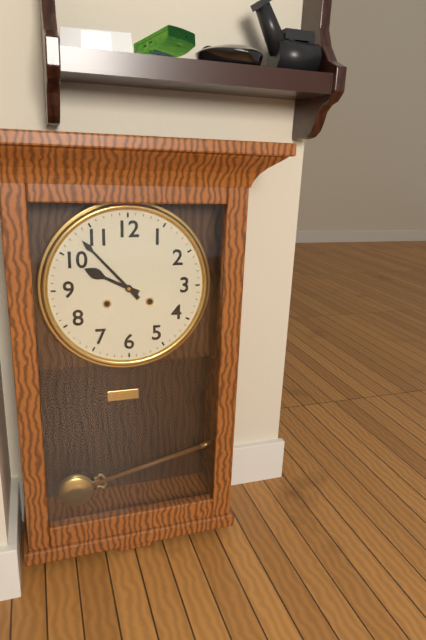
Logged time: 9,53
